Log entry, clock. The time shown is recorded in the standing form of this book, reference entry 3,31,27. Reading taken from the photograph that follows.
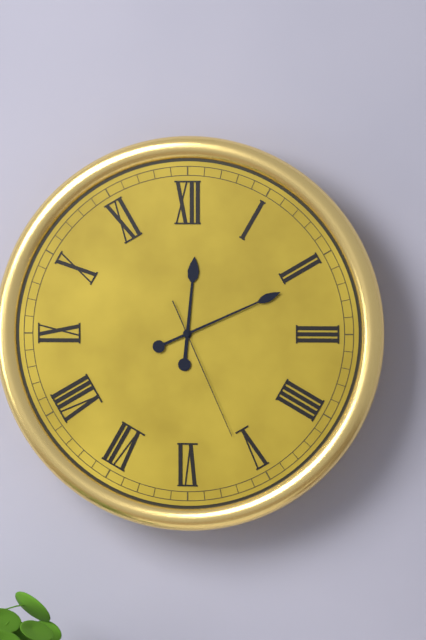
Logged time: 12,11,26
